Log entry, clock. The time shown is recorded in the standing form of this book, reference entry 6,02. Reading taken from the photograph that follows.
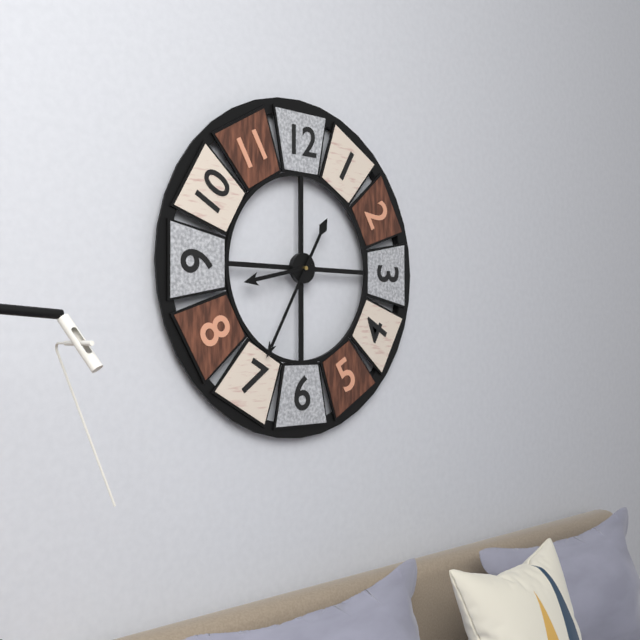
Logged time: 8,35
